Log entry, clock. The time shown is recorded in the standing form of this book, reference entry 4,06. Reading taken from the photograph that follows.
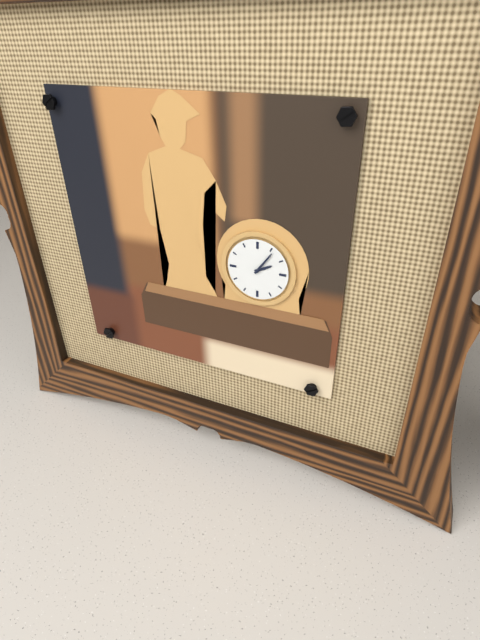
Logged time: 2,06
